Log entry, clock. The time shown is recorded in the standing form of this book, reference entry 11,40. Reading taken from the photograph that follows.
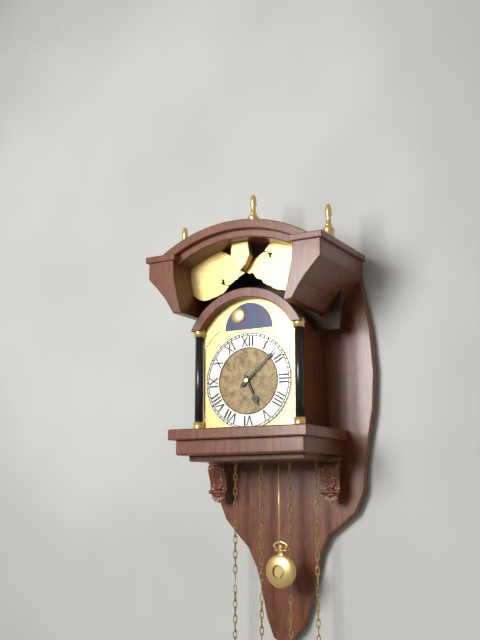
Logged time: 5,08
